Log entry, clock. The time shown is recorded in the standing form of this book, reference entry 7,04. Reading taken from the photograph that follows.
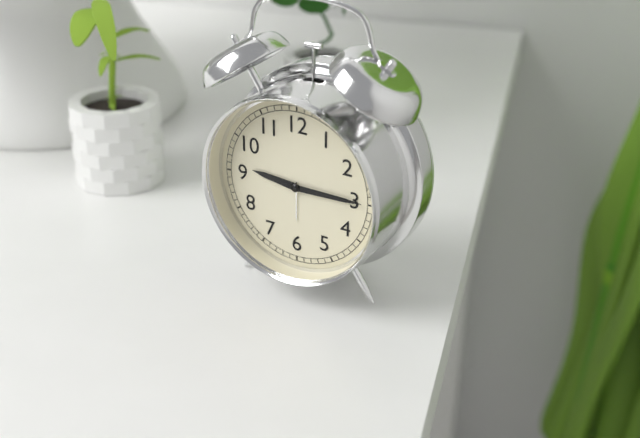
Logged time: 9,15
